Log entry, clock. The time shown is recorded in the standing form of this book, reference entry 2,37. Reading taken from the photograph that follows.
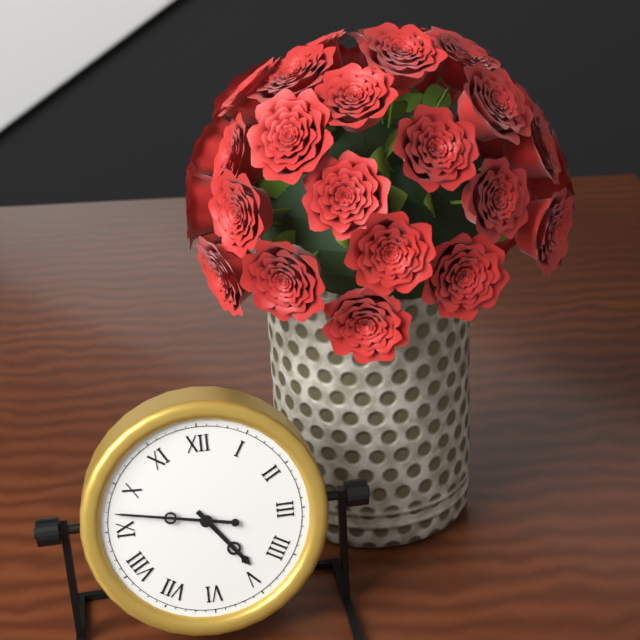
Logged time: 4,47
